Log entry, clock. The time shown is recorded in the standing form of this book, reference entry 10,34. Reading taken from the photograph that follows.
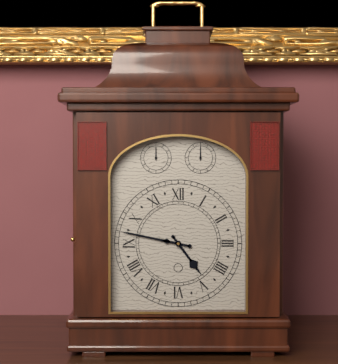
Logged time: 4,47
